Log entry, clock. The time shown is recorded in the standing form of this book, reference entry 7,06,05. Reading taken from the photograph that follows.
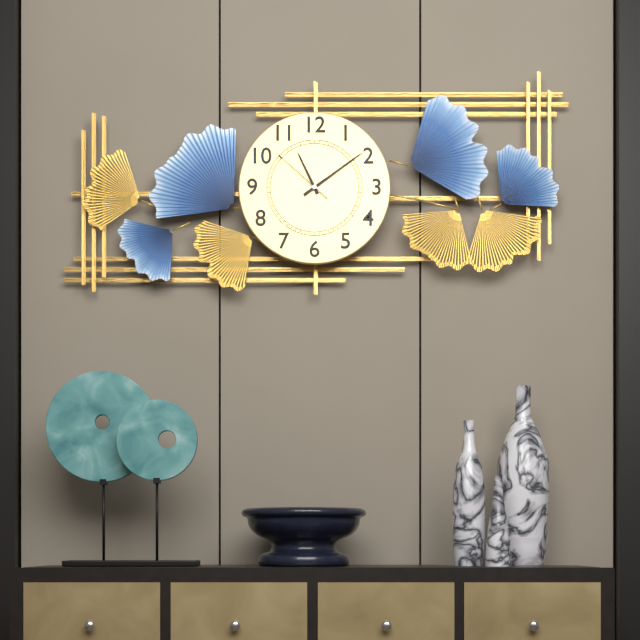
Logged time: 11,09,52
